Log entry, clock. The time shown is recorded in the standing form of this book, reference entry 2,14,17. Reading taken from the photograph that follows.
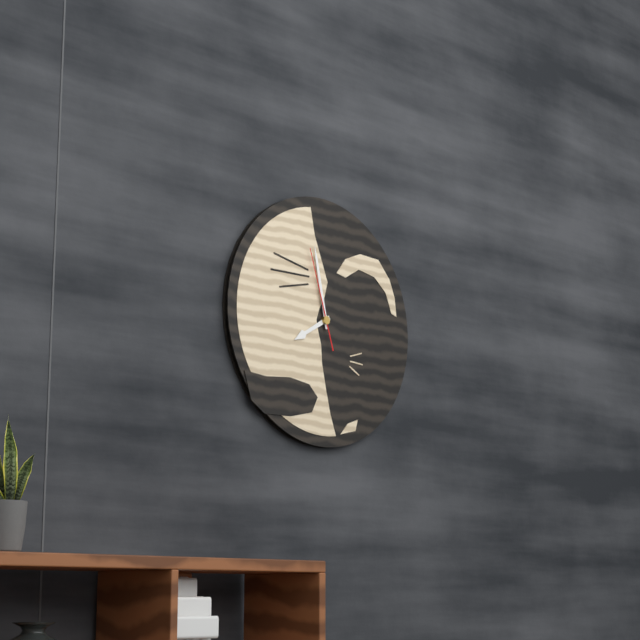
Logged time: 7,58,57
